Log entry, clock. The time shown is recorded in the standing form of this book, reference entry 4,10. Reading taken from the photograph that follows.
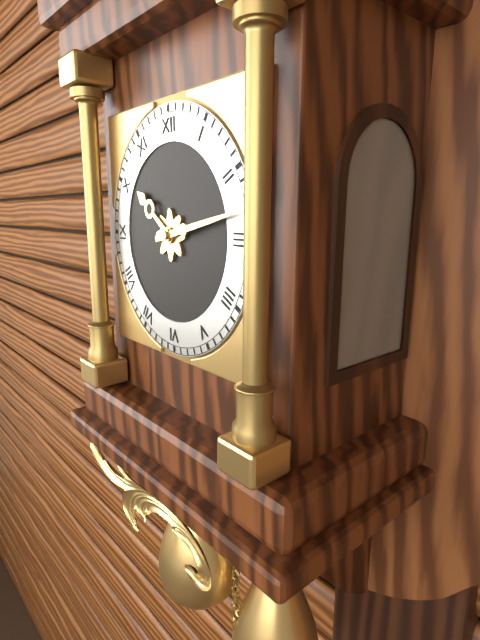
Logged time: 10,13
